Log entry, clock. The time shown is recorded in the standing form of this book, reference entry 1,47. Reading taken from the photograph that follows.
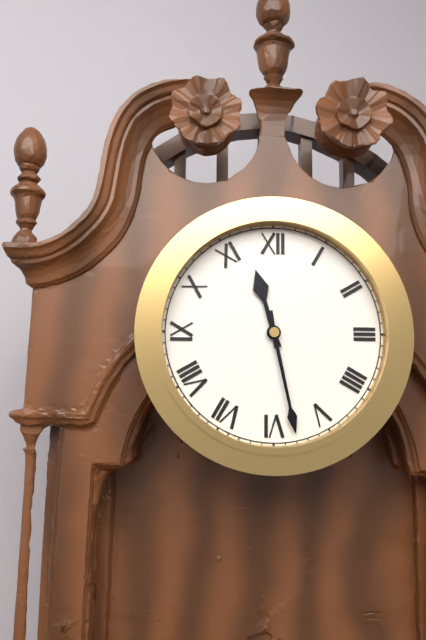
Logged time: 11,28
